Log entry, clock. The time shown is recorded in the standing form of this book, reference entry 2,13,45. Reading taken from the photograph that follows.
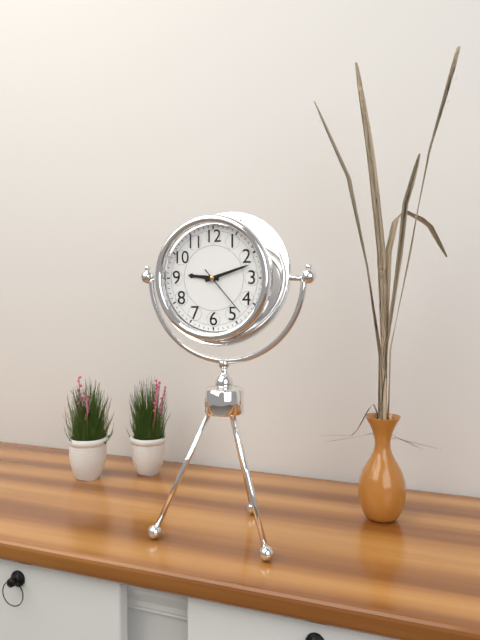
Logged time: 9,12,23
